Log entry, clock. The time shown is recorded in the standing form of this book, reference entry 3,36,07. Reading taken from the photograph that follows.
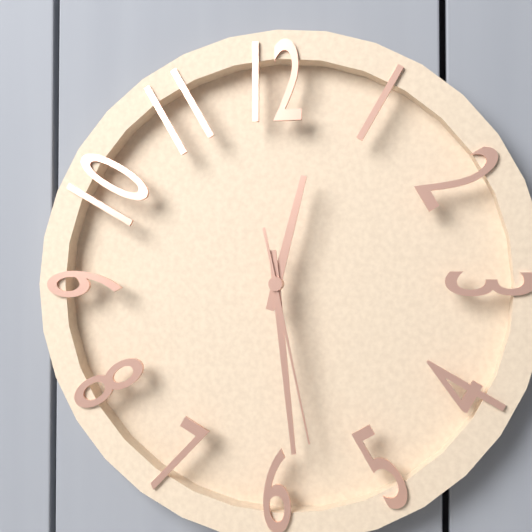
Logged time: 12,29,28
